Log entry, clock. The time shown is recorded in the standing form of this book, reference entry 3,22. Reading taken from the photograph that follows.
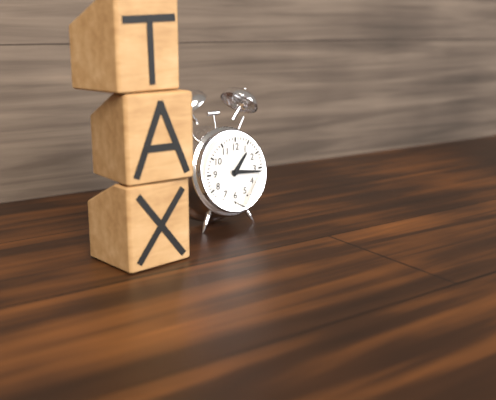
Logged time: 1,16
